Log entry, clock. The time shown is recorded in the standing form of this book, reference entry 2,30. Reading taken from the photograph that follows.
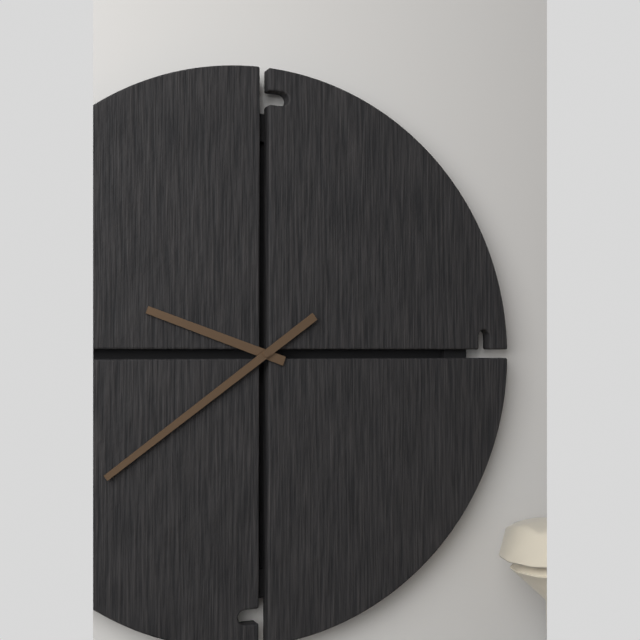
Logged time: 9,39
